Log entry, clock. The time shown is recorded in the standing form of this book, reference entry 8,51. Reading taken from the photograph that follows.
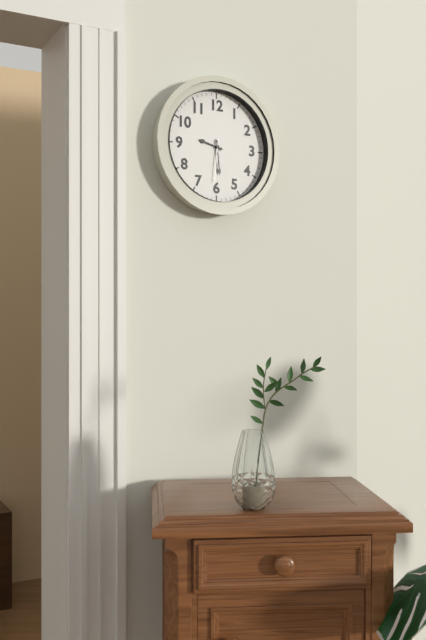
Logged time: 9,29
